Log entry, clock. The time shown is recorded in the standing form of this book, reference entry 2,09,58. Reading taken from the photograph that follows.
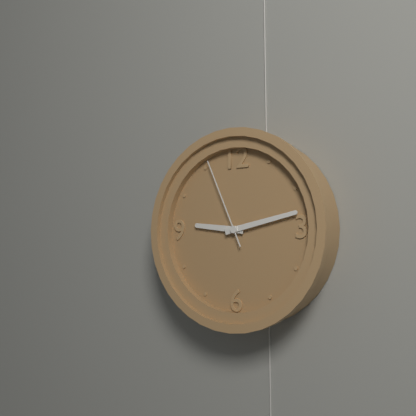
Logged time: 9,13,56
